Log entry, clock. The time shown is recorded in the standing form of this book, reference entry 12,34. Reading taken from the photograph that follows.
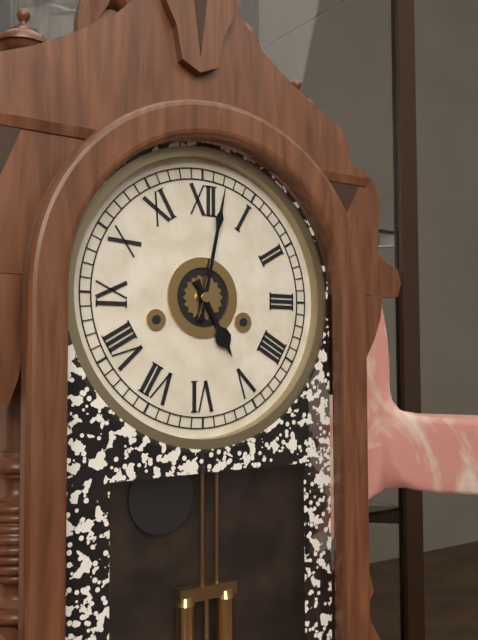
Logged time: 5,02
